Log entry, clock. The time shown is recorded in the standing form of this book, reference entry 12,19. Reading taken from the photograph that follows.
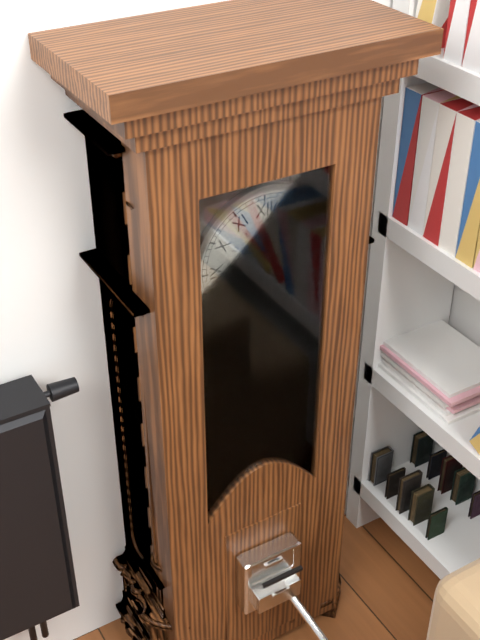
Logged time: 8,02
